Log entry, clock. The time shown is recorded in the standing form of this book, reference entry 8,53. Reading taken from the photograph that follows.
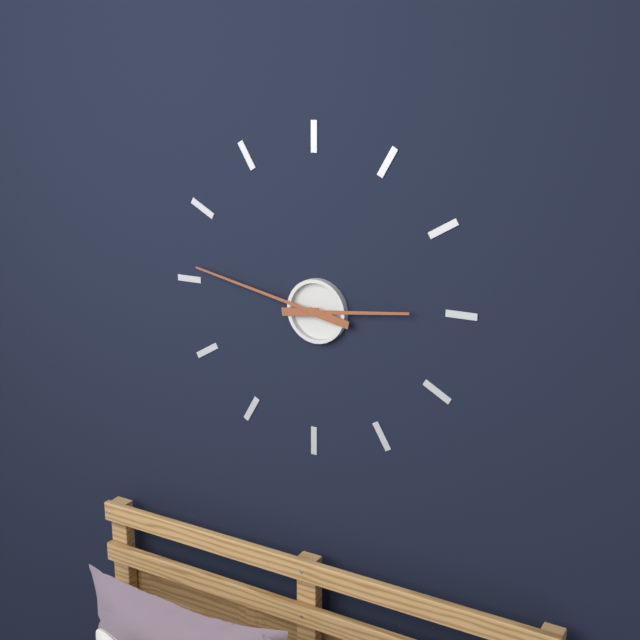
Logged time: 2,47
